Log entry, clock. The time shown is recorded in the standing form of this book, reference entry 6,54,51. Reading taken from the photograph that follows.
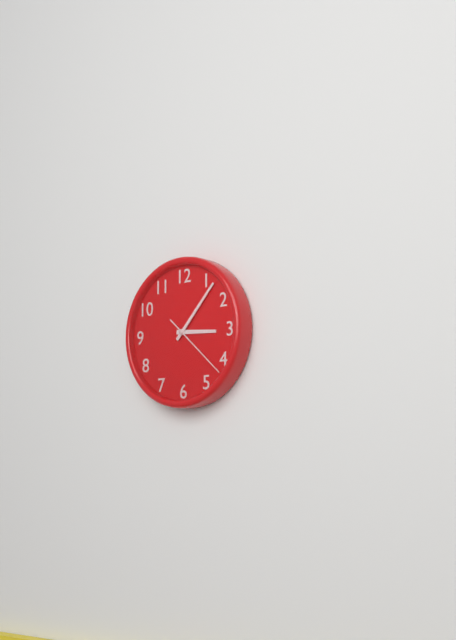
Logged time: 3,07,22
